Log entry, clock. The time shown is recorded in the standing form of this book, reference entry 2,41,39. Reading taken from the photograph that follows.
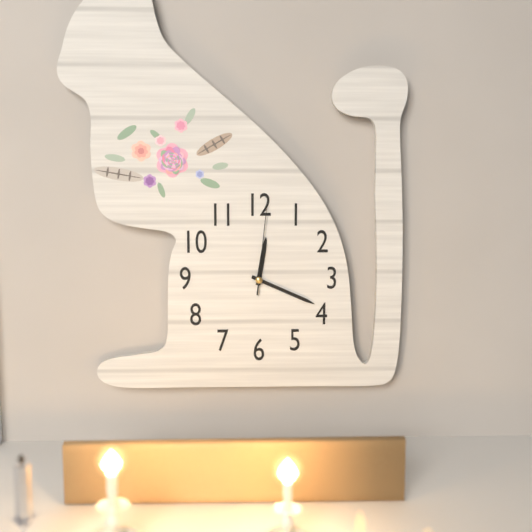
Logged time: 12,19,01
